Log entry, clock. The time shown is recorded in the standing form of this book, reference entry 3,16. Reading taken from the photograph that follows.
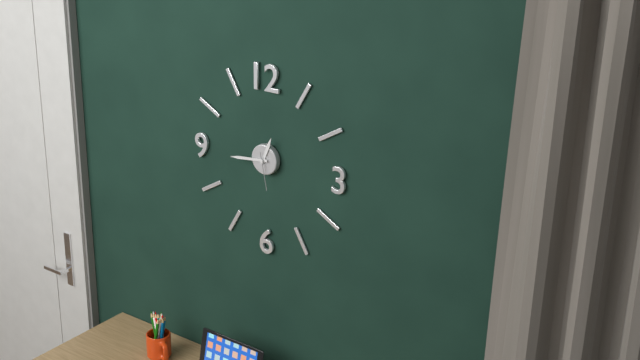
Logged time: 12,44
